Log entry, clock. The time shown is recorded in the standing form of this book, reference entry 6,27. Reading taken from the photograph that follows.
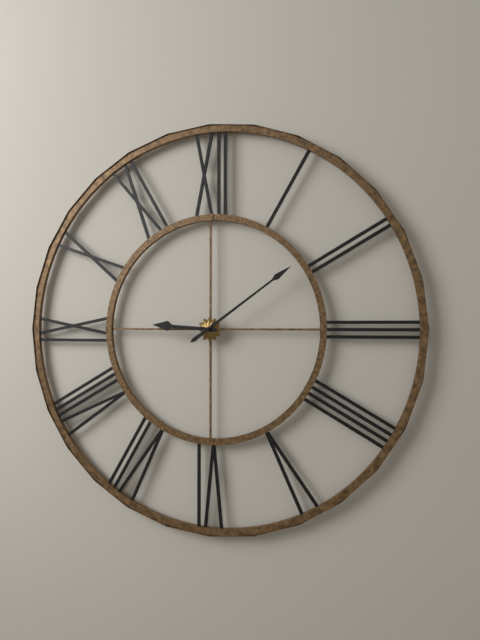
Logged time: 9,09
